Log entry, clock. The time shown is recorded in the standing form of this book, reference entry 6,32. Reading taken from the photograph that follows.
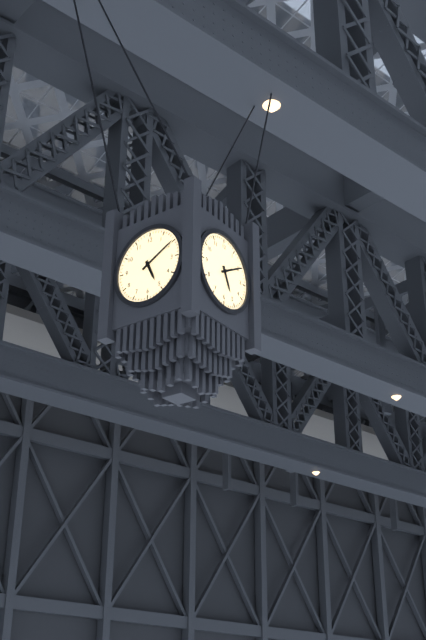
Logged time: 5,10
